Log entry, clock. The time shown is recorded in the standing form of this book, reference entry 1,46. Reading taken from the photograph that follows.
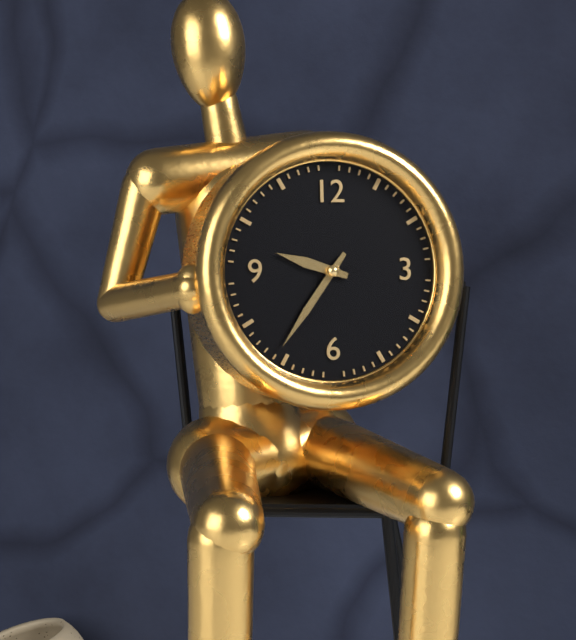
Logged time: 9,36
